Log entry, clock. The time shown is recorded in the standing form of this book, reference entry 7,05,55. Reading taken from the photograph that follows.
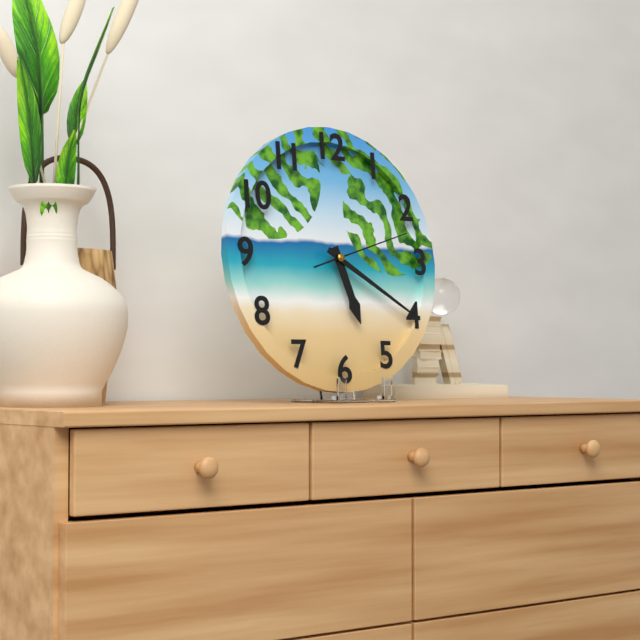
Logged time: 5,20,12
